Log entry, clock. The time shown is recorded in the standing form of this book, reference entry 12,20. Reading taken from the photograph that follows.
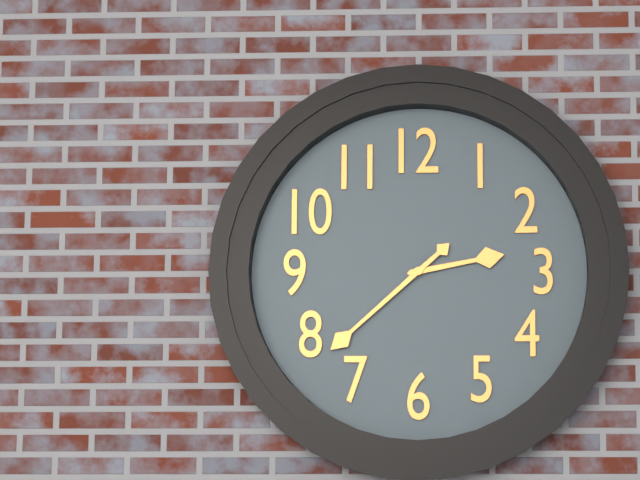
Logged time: 2,38
